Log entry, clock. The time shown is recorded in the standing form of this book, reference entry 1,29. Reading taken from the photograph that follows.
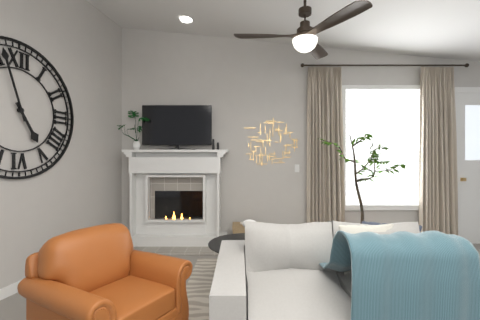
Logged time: 4,57
